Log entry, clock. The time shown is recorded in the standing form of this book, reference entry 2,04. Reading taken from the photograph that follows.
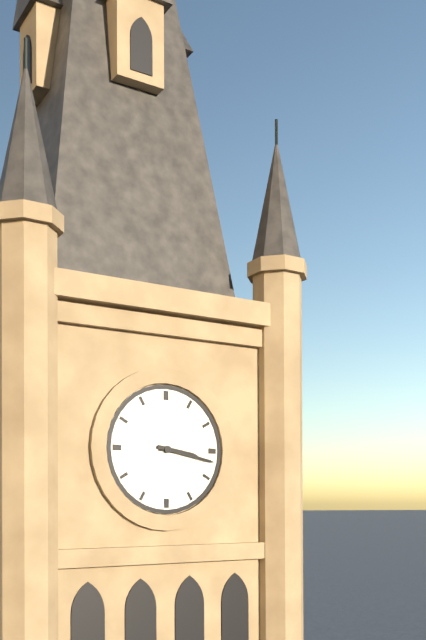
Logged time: 3,17
